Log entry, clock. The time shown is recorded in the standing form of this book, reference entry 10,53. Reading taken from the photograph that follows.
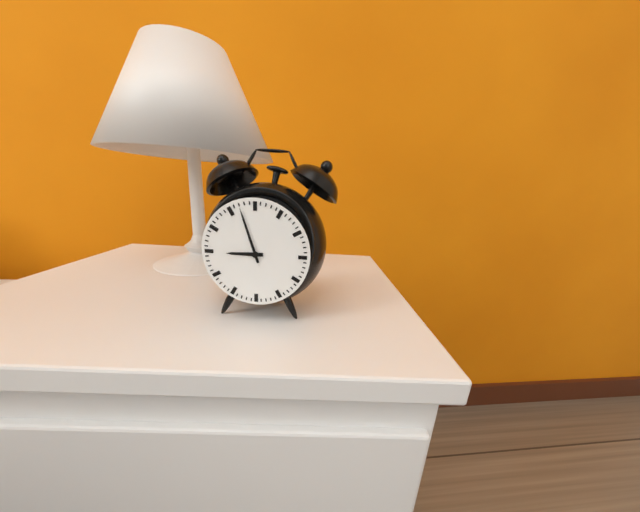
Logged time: 8,57
